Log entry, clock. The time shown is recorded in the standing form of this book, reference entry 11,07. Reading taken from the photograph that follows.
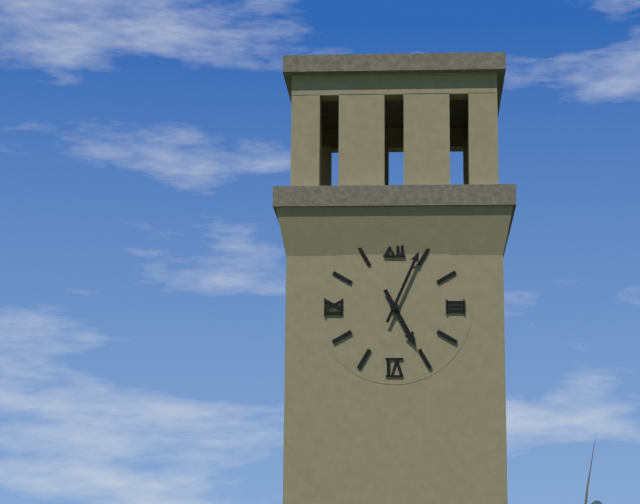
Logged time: 5,04
